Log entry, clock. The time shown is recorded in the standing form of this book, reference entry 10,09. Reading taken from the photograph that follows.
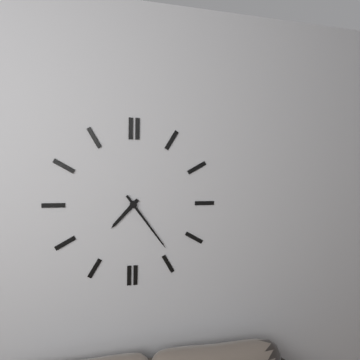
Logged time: 7,24
